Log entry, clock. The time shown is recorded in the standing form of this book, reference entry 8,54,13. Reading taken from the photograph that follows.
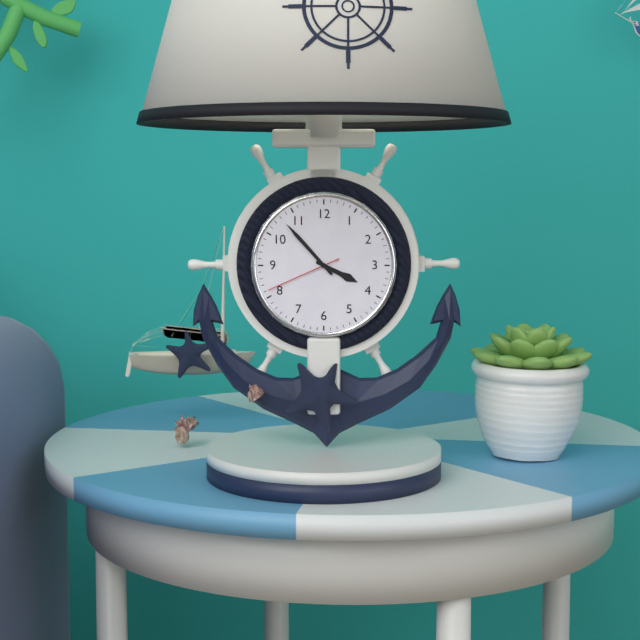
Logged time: 3,53,41
